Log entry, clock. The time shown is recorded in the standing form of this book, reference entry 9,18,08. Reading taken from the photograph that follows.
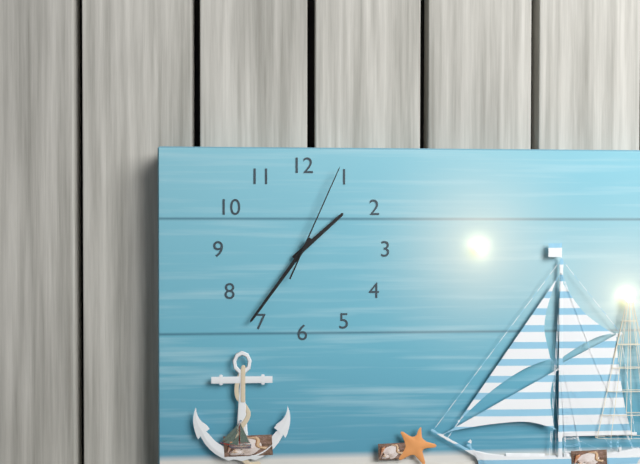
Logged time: 1,36,04
